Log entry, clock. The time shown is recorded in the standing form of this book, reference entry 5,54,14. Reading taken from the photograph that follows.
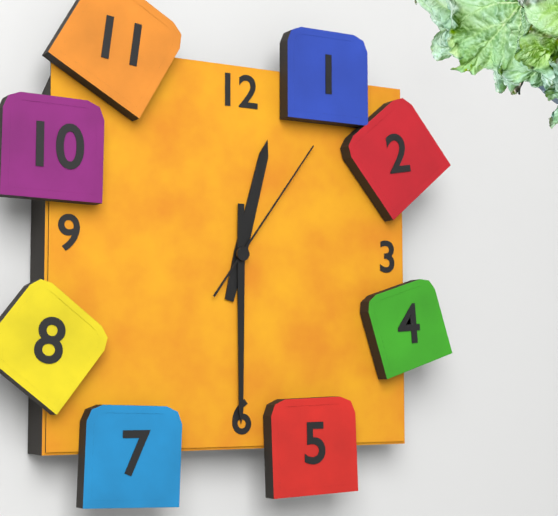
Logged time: 12,30,06
